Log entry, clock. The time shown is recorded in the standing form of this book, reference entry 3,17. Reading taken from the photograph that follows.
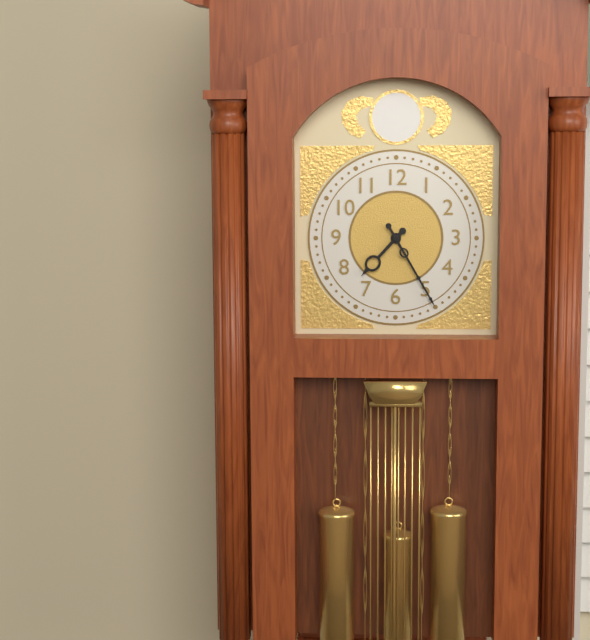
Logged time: 7,25
